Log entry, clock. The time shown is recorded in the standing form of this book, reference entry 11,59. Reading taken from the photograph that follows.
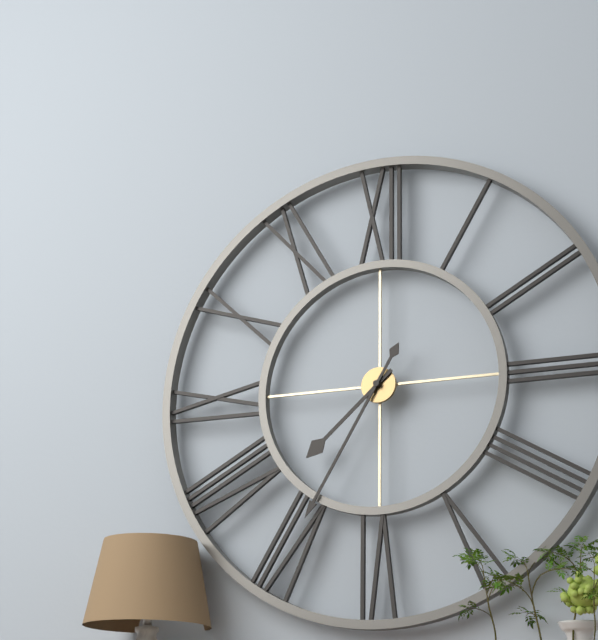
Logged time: 7,35
